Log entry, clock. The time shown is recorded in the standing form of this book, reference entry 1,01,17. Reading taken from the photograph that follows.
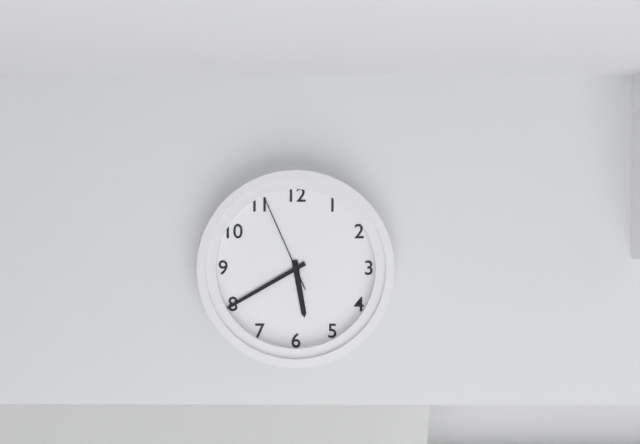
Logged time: 5,40,56
